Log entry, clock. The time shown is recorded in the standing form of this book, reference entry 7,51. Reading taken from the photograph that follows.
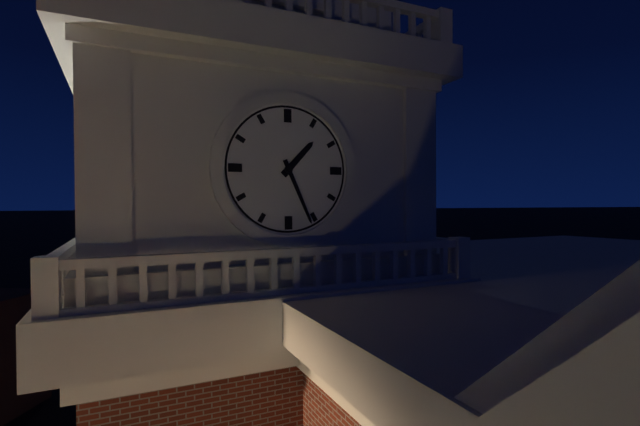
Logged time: 1,26
